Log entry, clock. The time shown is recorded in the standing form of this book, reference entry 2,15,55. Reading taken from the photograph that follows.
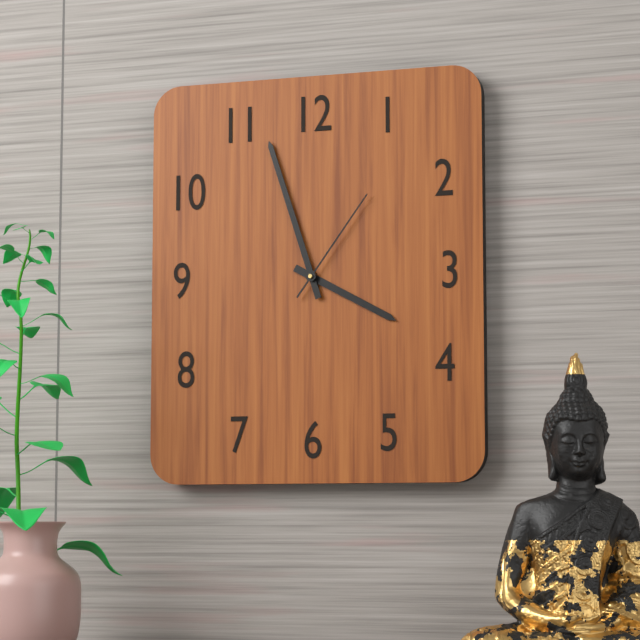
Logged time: 3,57,06
